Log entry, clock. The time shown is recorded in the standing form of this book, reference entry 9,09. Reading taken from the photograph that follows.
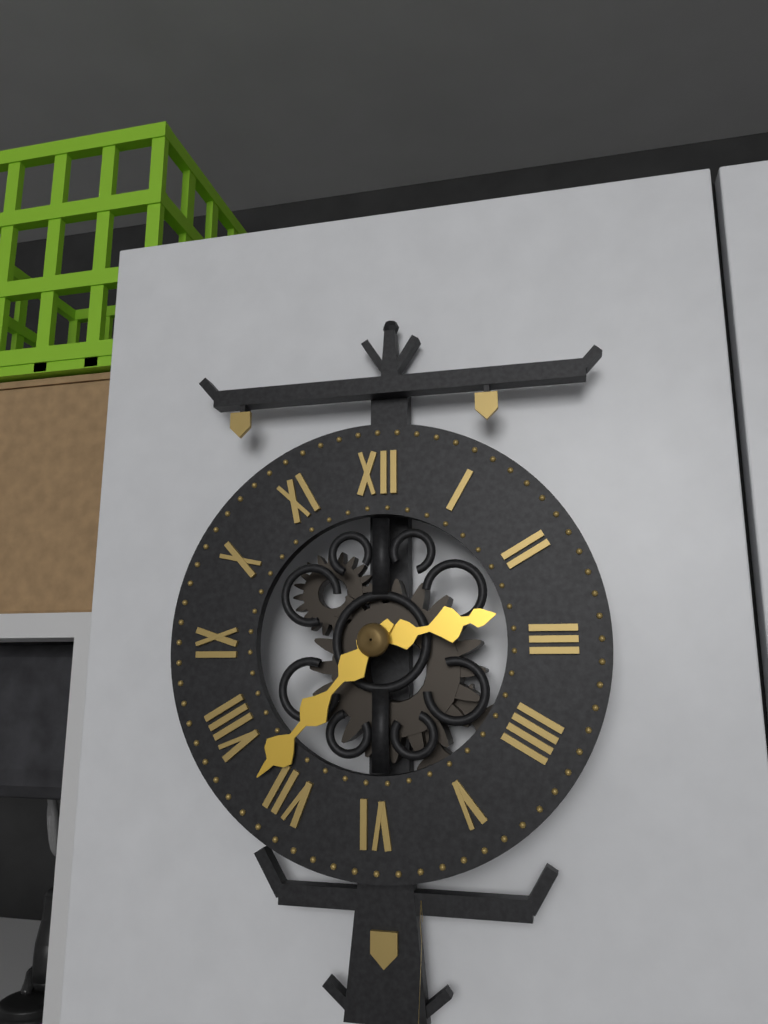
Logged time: 2,37
